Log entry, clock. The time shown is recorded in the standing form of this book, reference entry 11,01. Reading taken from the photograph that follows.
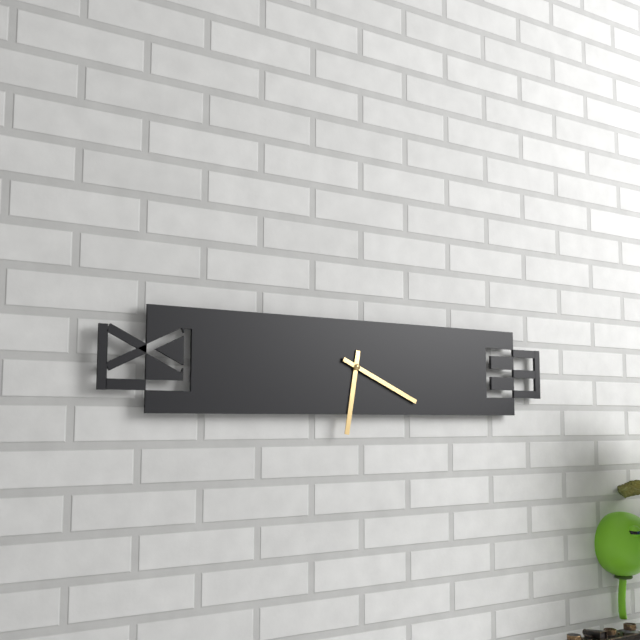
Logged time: 6,19
